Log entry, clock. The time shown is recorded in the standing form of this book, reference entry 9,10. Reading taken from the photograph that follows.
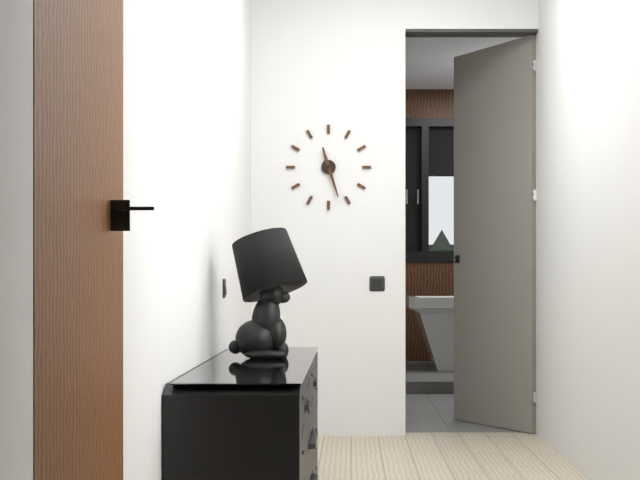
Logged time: 11,27
